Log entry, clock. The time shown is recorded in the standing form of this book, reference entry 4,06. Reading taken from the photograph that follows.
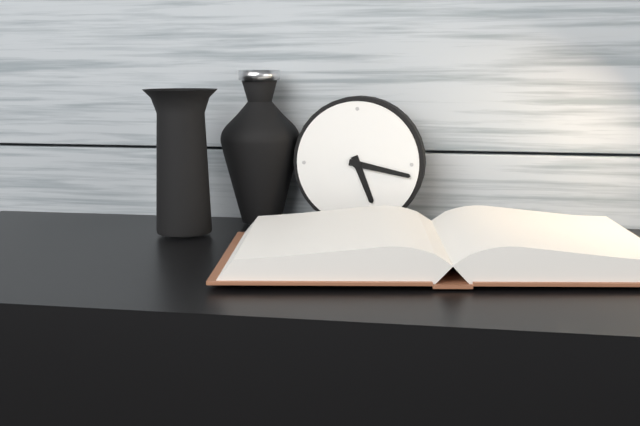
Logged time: 5,17
